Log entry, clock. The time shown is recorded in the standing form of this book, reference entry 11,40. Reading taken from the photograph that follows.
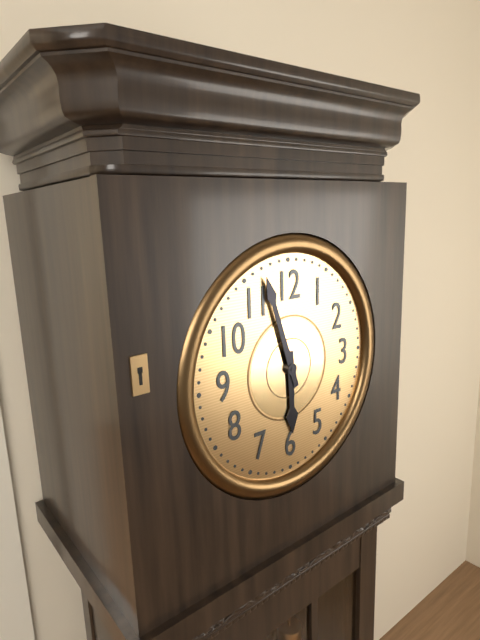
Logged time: 5,57
